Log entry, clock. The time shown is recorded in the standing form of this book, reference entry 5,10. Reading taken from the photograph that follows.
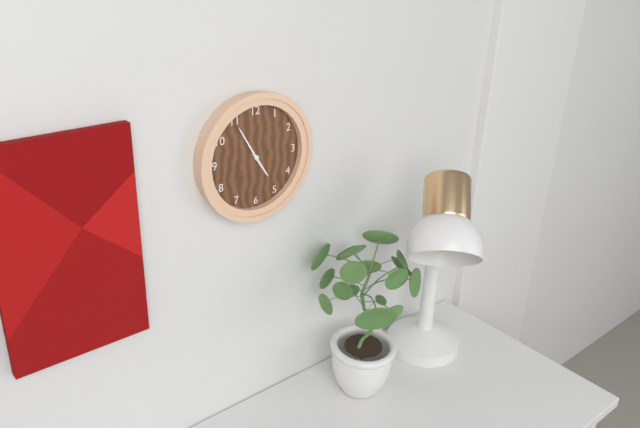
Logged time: 4,55
